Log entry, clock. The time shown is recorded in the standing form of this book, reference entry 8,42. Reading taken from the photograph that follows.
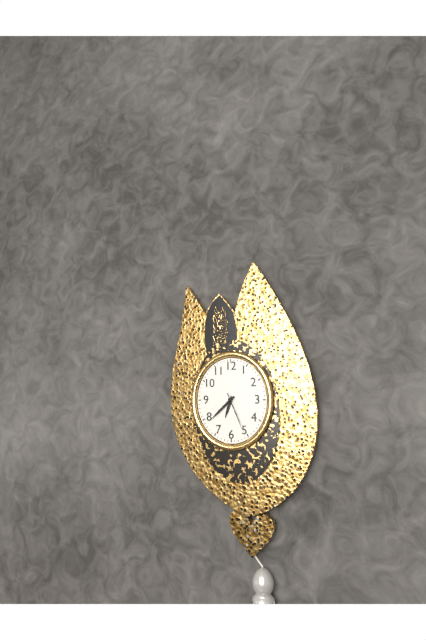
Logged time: 6,38
